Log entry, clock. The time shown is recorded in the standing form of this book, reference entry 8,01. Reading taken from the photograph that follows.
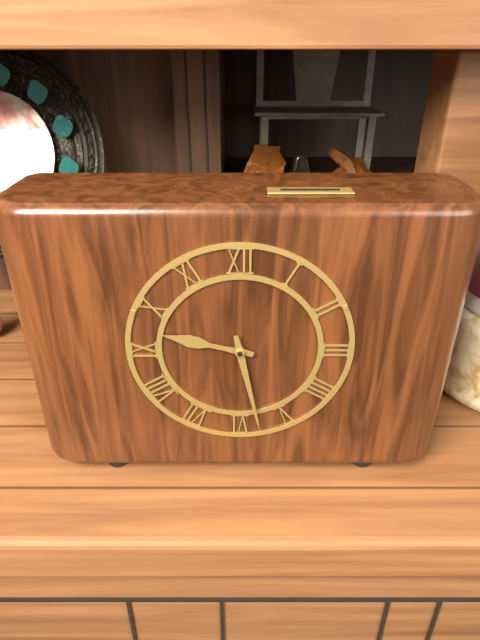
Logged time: 9,28
